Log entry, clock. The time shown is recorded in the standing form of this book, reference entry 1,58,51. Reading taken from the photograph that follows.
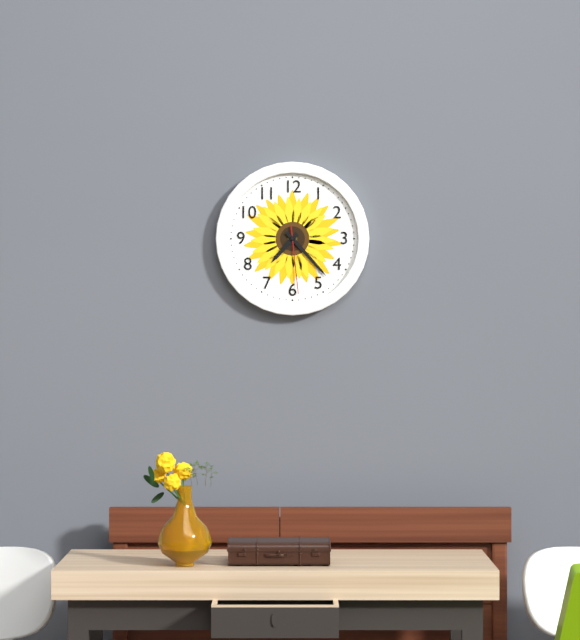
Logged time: 7,23,29
